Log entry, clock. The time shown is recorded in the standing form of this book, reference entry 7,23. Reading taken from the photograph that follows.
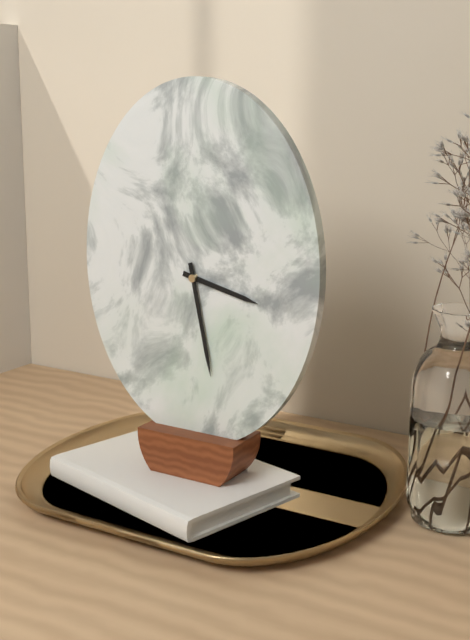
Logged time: 3,28
